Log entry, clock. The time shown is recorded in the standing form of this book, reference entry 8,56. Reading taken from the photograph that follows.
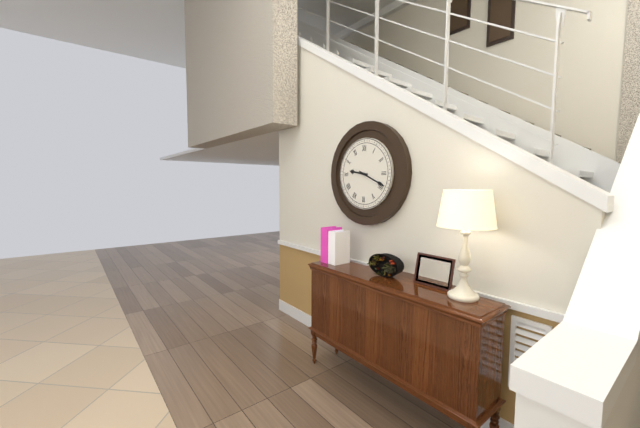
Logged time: 9,19
